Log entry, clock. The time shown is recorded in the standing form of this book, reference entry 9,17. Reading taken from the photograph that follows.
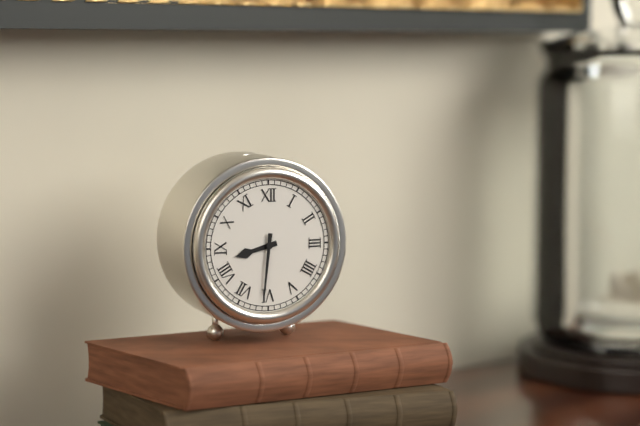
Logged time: 8,31
